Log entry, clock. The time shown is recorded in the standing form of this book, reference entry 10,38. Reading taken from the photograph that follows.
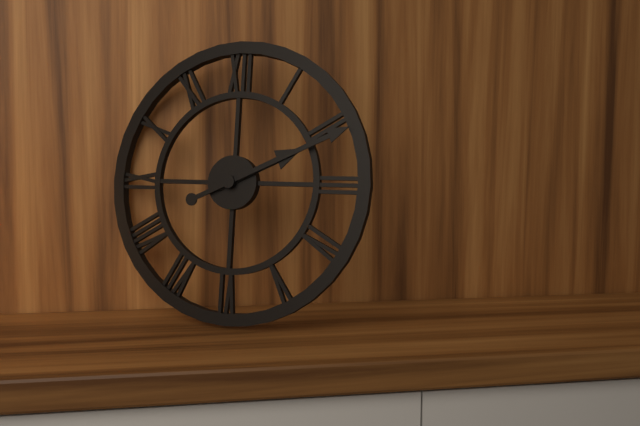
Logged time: 2,11
